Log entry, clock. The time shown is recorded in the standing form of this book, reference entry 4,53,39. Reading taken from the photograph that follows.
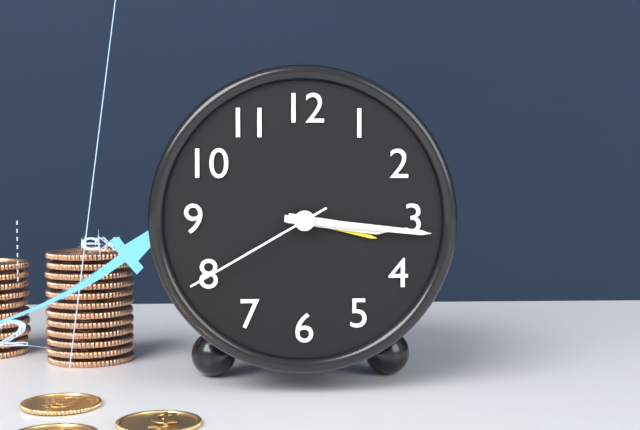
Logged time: 3,16,40
